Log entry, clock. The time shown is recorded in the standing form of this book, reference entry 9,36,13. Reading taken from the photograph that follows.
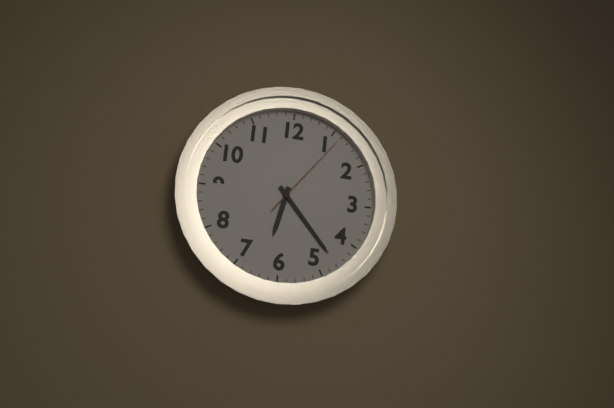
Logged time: 6,23,06
